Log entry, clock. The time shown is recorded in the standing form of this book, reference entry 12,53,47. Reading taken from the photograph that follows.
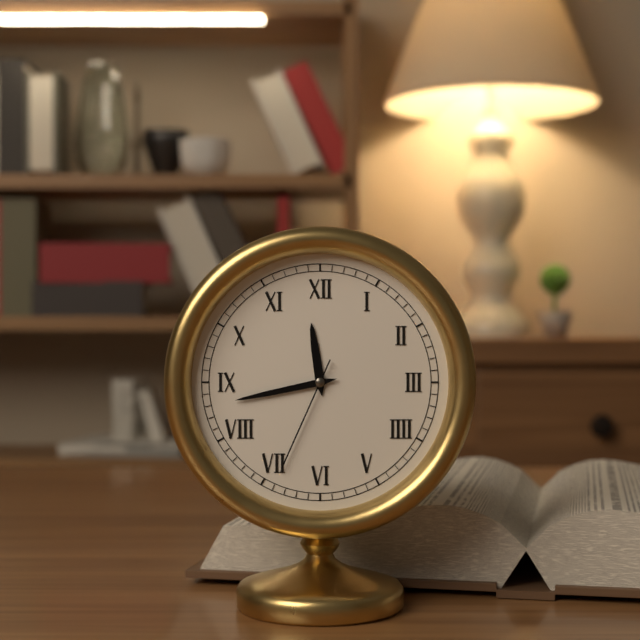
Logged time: 11,43,34
